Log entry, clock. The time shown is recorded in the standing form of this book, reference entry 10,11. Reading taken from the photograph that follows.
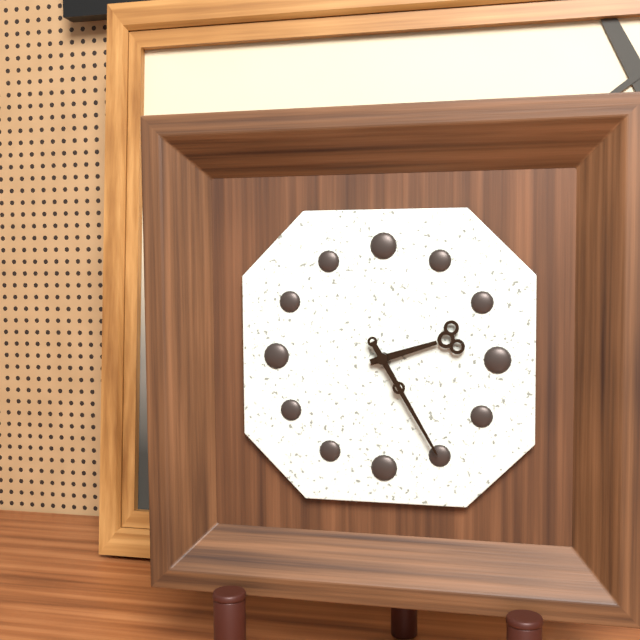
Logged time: 2,25
